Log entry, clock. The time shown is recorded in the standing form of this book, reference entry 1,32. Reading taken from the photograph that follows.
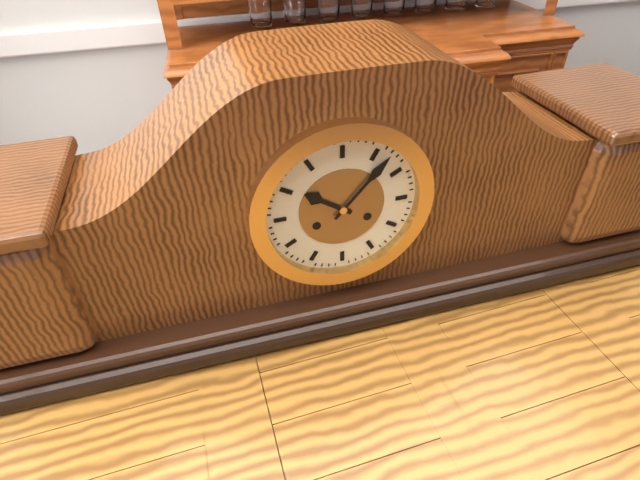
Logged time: 10,07
